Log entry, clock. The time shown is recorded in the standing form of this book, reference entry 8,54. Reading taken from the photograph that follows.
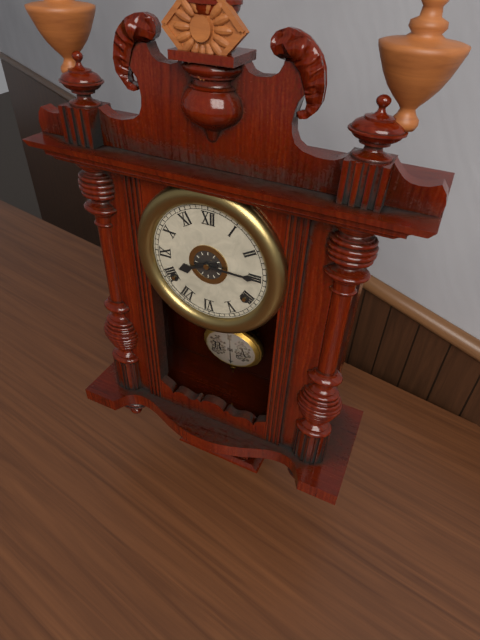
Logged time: 8,15
